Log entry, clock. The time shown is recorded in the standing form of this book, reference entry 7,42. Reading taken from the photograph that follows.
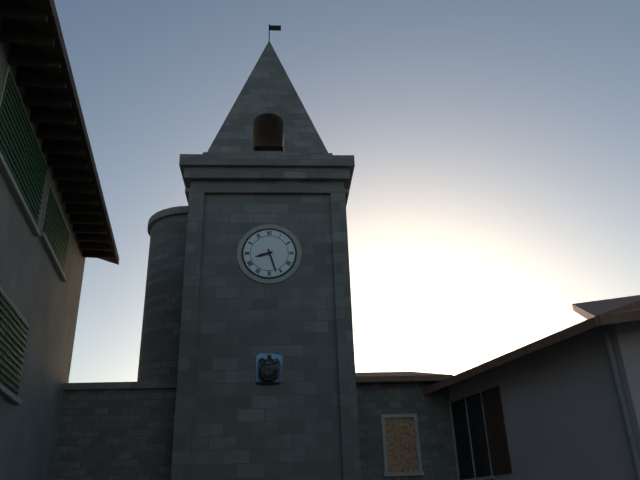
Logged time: 8,27
